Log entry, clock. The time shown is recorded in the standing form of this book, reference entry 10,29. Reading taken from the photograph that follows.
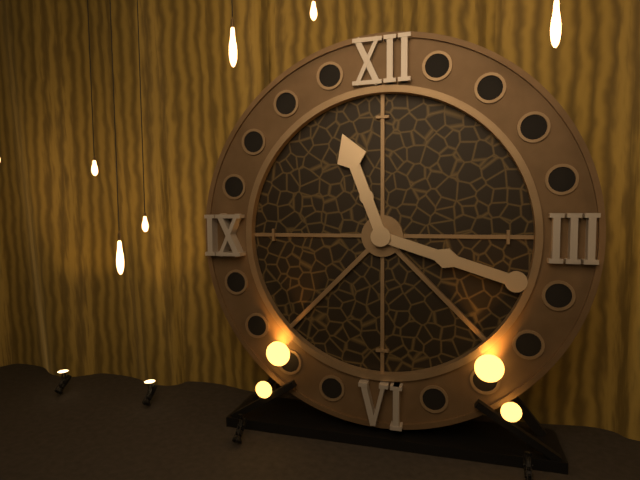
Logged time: 11,18
